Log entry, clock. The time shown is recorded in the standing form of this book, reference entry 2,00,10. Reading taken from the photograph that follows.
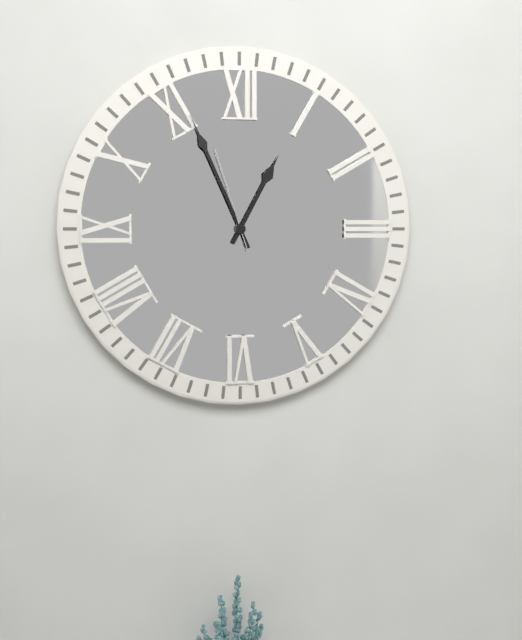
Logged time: 12,56,57
